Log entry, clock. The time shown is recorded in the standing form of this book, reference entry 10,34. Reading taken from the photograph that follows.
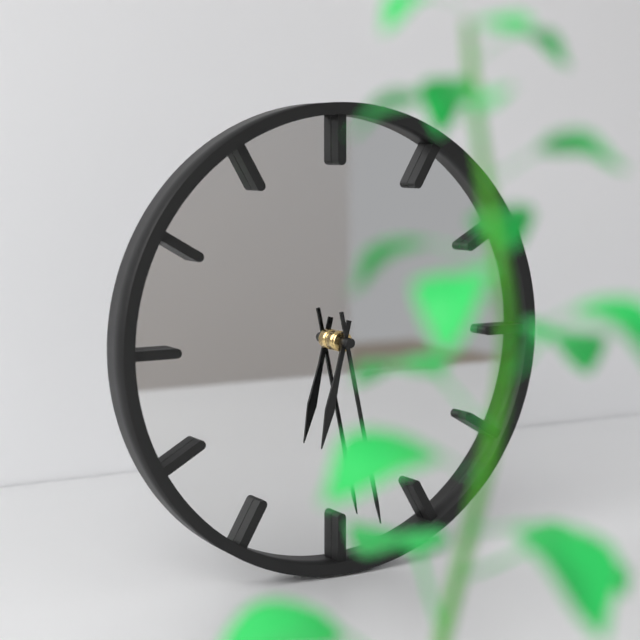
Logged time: 6,28
